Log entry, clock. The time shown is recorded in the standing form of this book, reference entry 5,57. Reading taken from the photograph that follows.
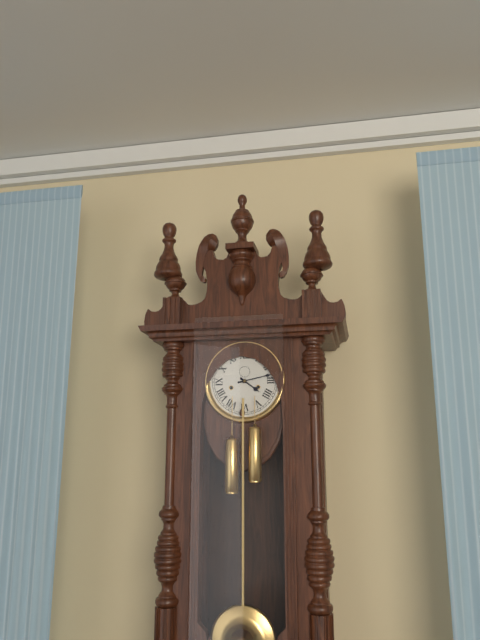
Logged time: 4,13
